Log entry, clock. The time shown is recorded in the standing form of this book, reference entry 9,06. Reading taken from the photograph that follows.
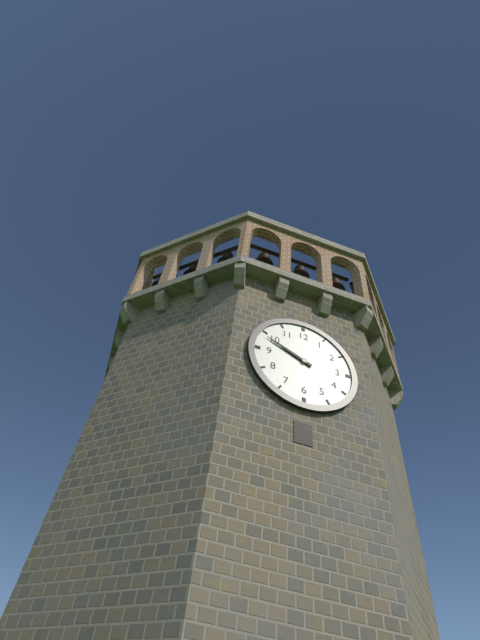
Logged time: 9,49
